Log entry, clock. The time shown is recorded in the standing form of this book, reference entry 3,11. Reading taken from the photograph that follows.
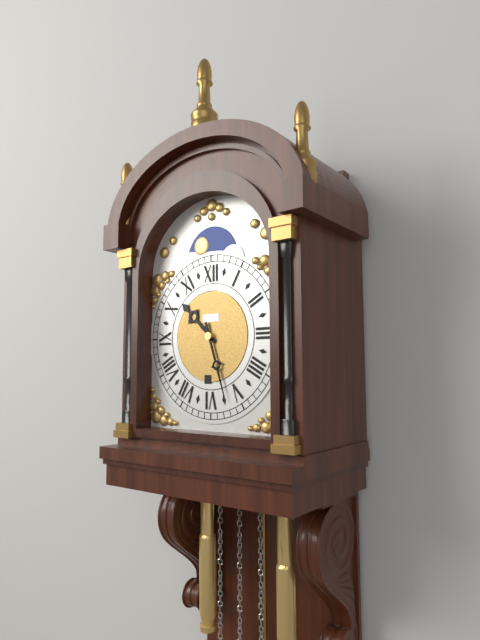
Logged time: 10,27
